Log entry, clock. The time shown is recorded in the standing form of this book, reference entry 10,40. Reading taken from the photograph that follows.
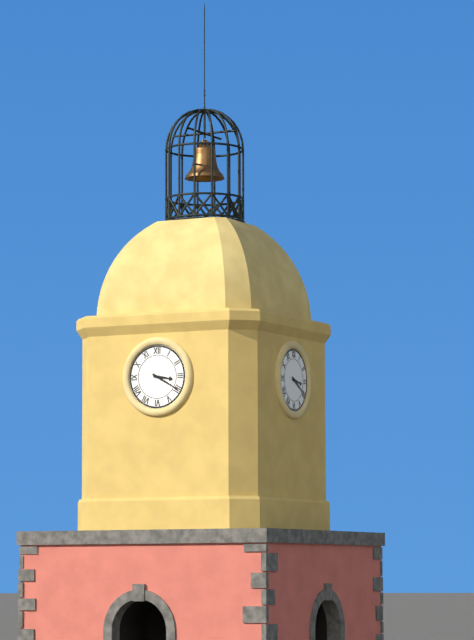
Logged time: 3,20
